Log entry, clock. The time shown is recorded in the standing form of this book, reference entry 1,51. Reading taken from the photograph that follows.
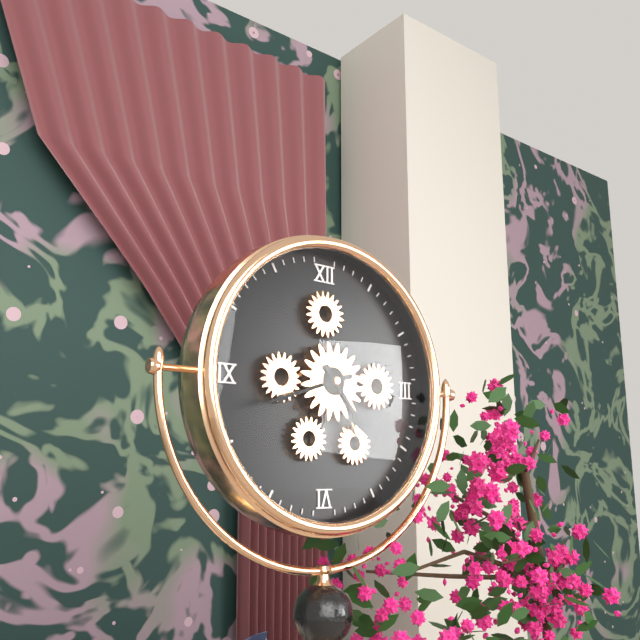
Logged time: 4,42
